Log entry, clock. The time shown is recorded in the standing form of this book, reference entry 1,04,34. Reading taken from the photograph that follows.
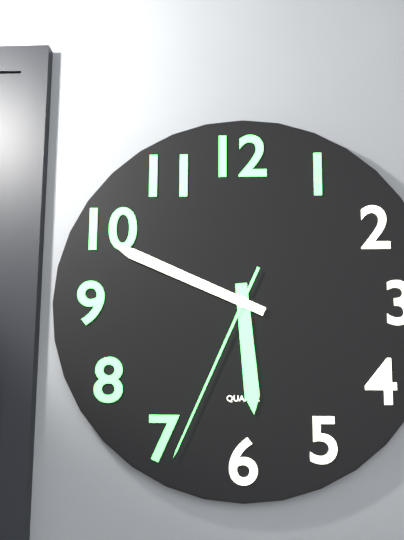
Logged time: 5,49,34
